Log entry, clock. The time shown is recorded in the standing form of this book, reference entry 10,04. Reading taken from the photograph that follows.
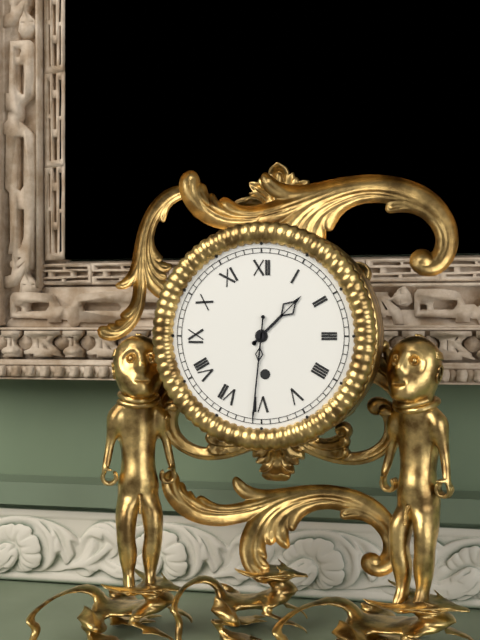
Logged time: 1,31
